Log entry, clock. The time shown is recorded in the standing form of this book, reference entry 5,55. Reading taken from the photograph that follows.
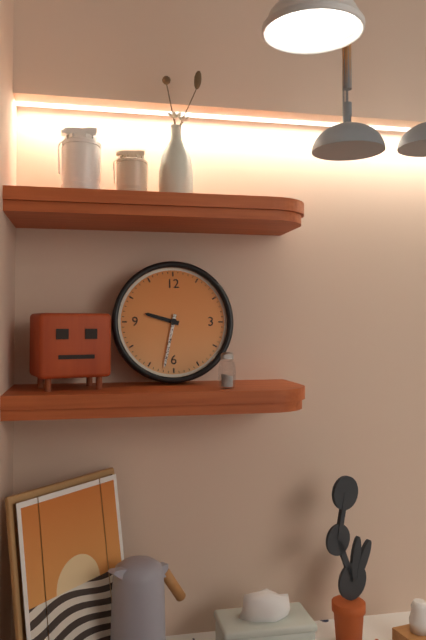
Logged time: 9,32
